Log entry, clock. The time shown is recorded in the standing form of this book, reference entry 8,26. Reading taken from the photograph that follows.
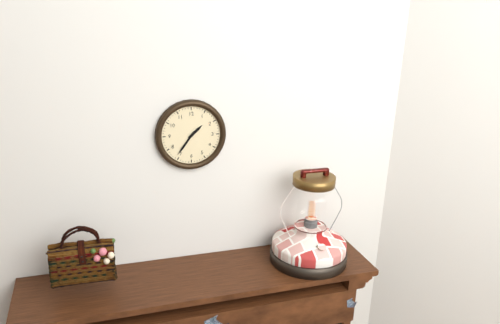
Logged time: 1,36
